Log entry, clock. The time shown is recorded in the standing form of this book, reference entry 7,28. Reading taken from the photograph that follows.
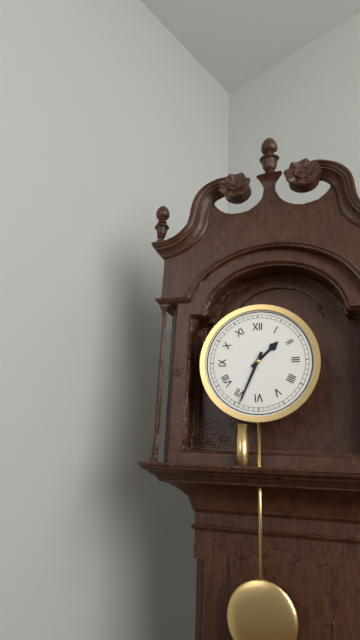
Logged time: 1,34
